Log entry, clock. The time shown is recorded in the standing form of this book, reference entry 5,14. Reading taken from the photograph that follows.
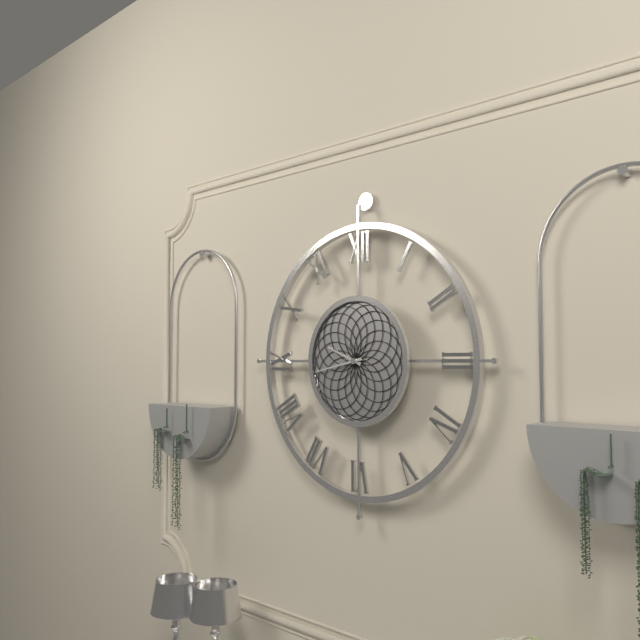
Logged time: 9,43
